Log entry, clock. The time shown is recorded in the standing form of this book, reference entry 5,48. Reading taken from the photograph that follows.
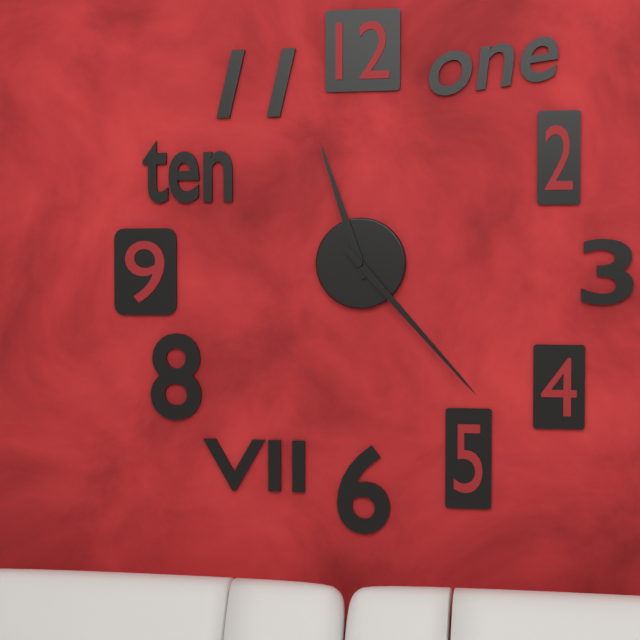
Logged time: 11,23
